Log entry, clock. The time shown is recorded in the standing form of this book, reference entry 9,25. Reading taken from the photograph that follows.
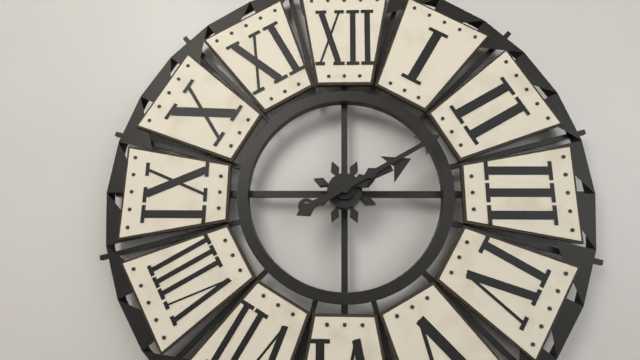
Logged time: 2,10
